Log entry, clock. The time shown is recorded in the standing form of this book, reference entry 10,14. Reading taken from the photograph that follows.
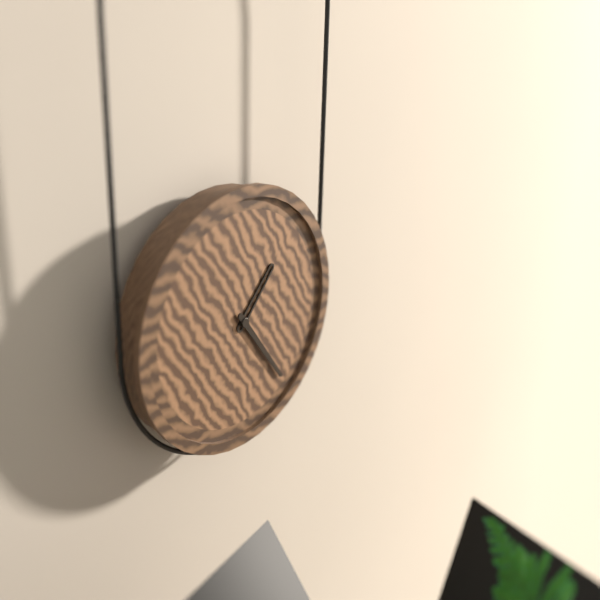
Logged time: 1,24
